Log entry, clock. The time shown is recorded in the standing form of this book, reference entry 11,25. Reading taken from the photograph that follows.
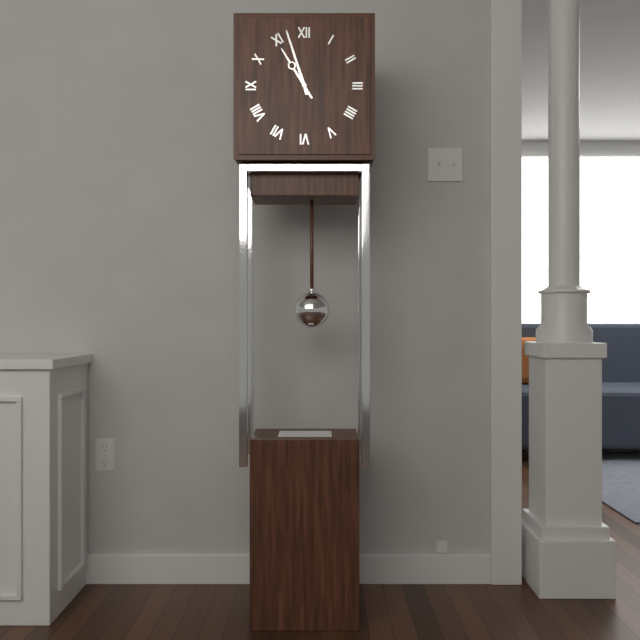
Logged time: 10,57
